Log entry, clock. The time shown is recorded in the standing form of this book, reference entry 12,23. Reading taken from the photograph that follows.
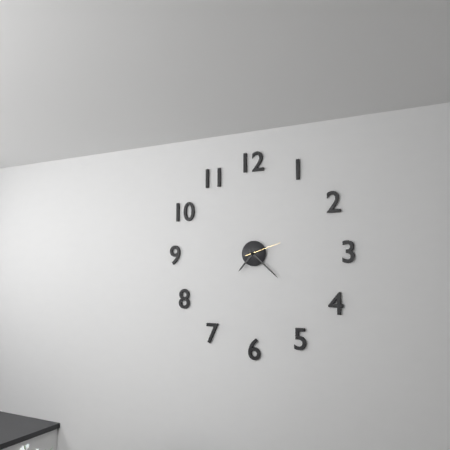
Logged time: 7,22
